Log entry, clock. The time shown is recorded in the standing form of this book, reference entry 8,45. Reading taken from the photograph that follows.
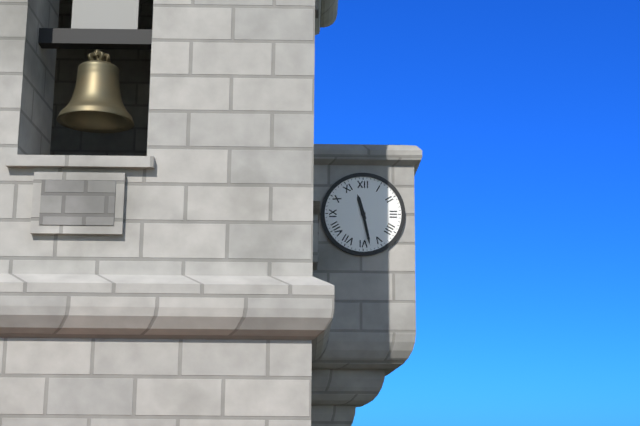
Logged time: 11,28
